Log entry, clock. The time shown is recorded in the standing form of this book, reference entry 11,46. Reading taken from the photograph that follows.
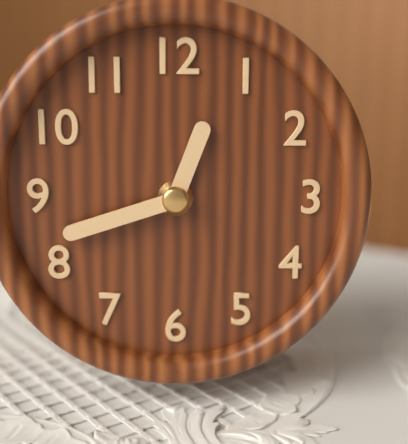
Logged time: 12,42
